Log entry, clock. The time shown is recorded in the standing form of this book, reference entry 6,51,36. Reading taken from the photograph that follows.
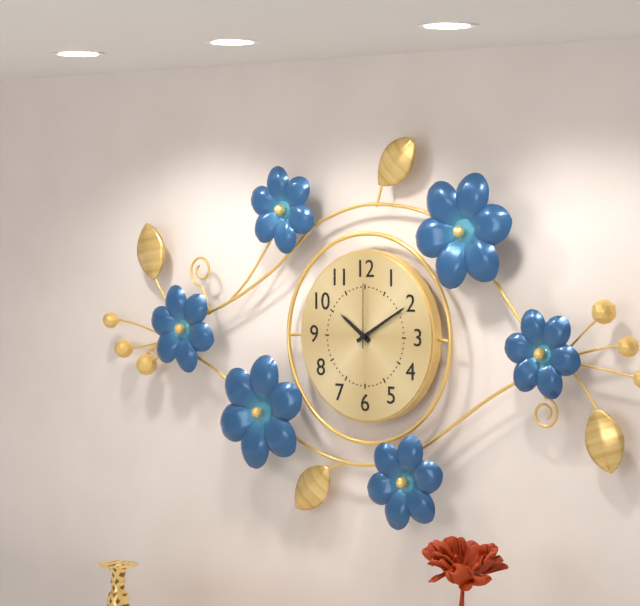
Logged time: 10,10,00
